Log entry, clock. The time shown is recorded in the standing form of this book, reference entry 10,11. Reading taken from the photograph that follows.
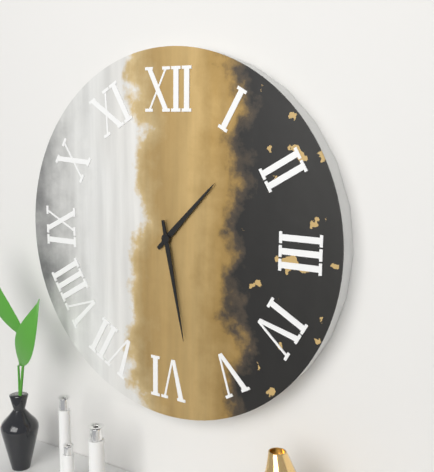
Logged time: 1,28
